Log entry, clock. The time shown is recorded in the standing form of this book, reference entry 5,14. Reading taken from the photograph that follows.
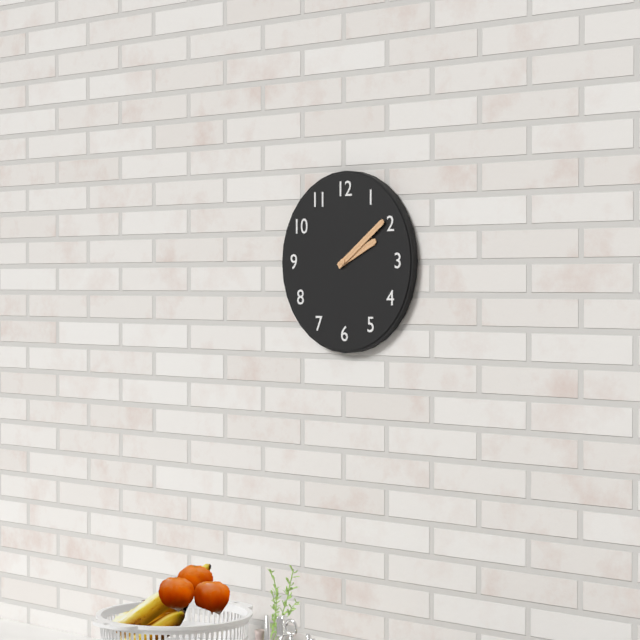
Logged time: 2,09
